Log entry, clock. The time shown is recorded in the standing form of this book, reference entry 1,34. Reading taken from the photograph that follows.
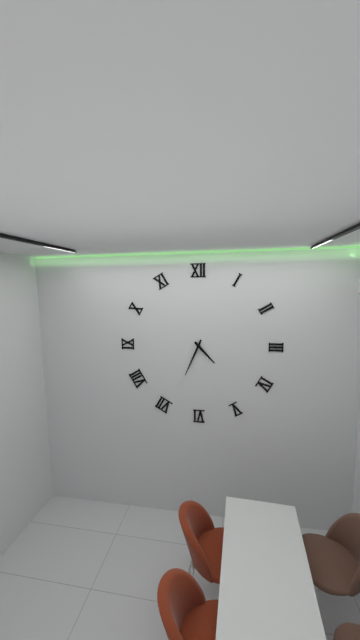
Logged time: 4,34
